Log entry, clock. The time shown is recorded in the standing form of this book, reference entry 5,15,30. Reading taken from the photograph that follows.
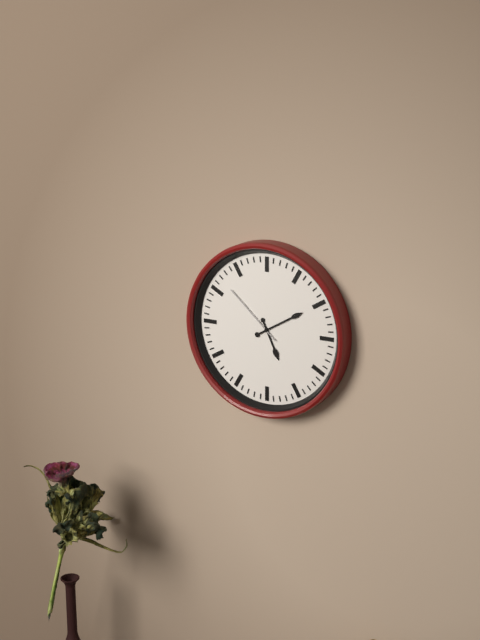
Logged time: 5,10,52
